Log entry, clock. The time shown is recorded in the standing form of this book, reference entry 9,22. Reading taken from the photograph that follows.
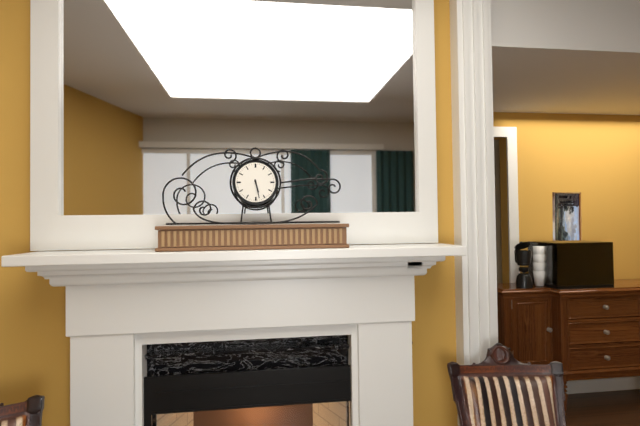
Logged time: 5,28
